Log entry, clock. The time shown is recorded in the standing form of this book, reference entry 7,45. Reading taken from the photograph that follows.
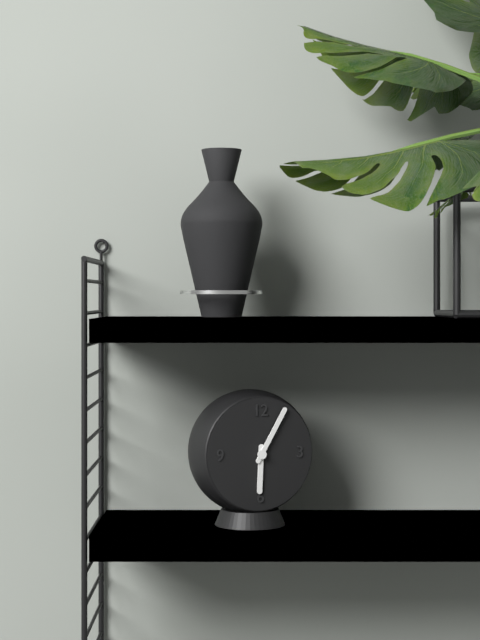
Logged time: 6,05
